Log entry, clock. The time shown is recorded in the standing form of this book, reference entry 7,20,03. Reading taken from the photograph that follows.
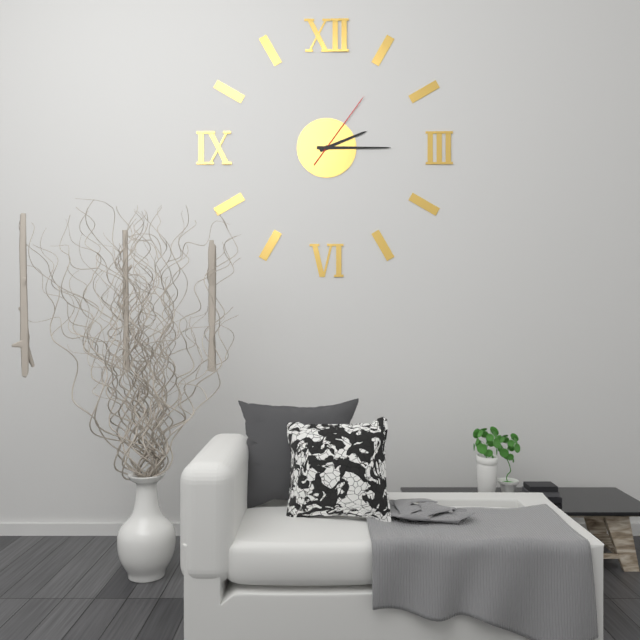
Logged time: 2,15,06
